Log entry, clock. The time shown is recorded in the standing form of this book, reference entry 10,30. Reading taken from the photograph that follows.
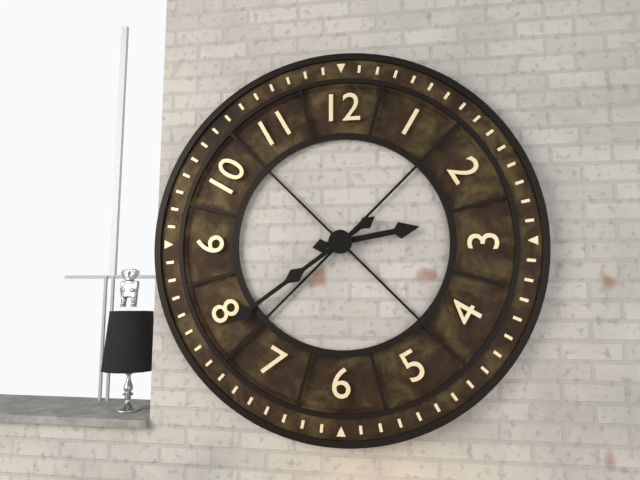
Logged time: 2,39
